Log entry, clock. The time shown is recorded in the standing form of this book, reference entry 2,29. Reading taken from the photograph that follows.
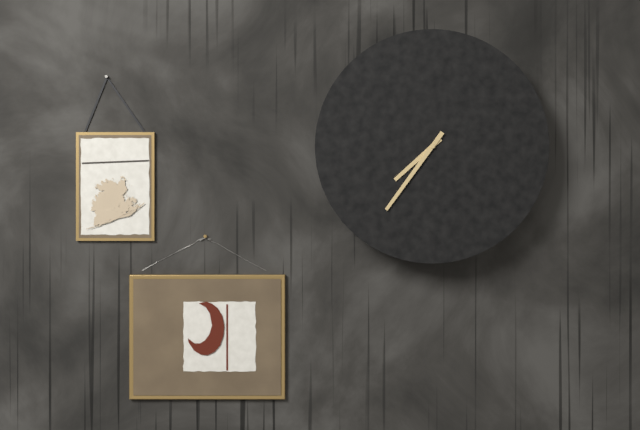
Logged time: 7,36
